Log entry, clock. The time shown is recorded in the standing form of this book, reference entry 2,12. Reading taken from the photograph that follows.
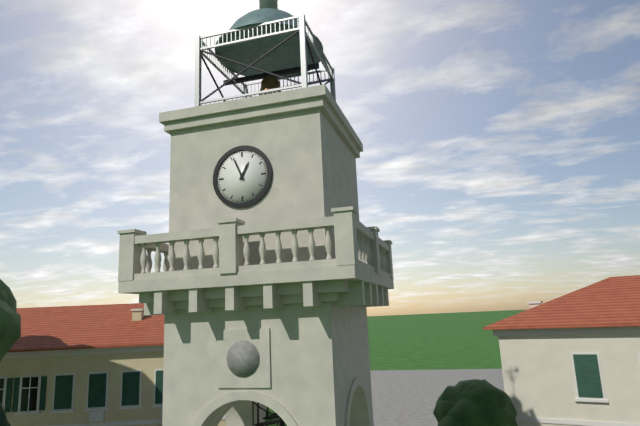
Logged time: 12,56
